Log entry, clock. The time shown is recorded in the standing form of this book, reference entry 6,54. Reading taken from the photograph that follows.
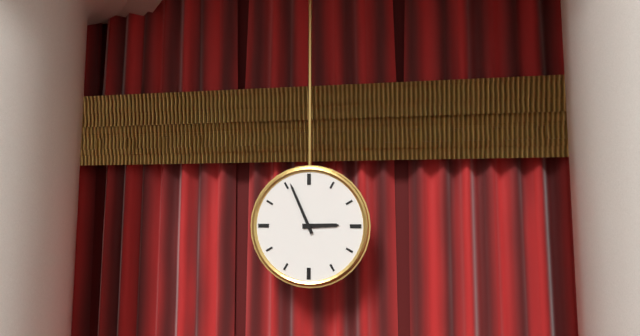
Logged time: 2,56
